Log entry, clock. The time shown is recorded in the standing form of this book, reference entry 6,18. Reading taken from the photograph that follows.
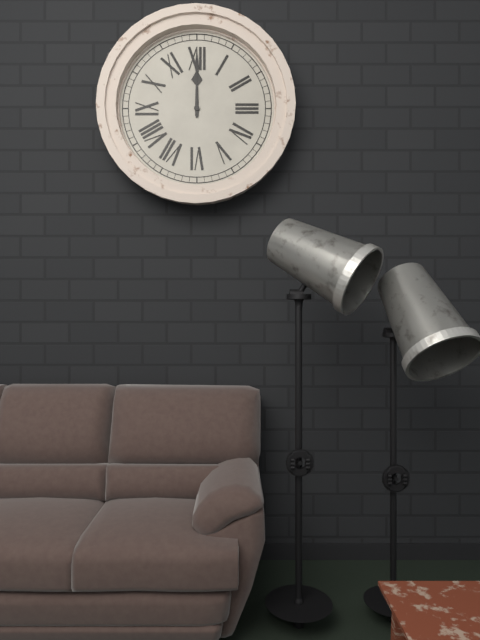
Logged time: 12,00
